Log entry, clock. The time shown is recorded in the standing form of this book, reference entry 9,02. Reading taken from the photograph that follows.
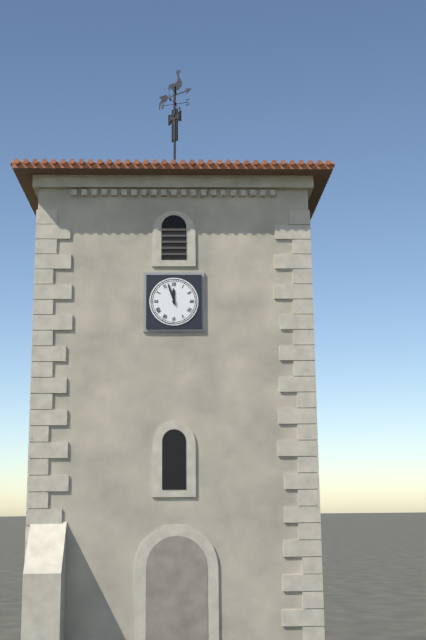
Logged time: 11,57
